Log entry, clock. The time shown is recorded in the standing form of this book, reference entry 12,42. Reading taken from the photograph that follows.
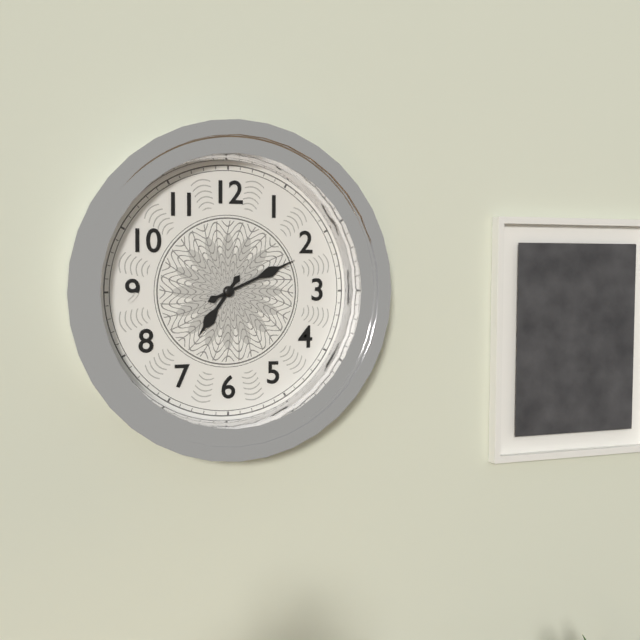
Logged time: 7,11
